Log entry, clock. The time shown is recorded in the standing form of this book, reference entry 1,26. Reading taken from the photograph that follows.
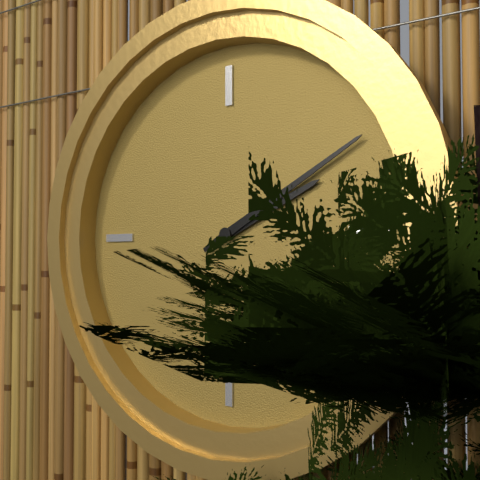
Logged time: 2,10
